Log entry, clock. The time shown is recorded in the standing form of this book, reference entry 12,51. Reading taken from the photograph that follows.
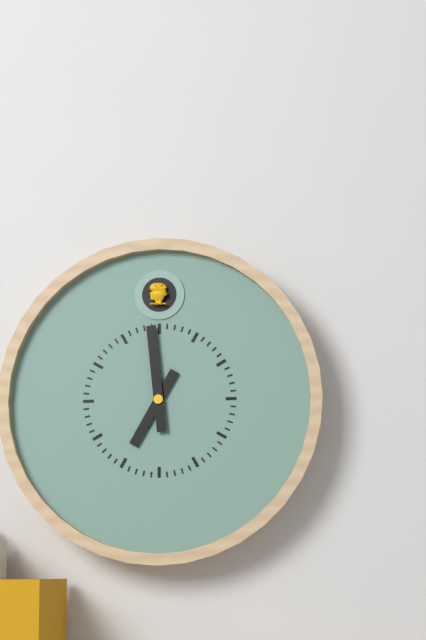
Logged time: 6,59
